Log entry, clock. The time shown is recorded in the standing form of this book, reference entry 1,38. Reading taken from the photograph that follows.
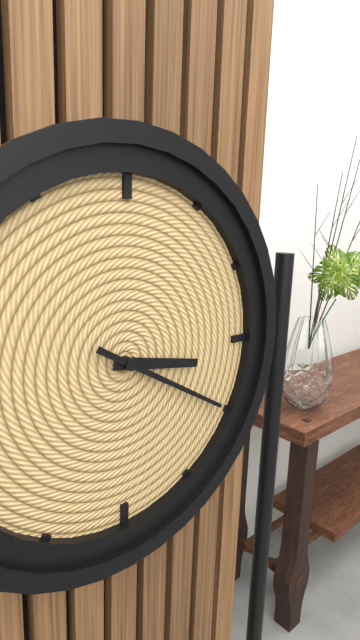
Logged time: 3,20
